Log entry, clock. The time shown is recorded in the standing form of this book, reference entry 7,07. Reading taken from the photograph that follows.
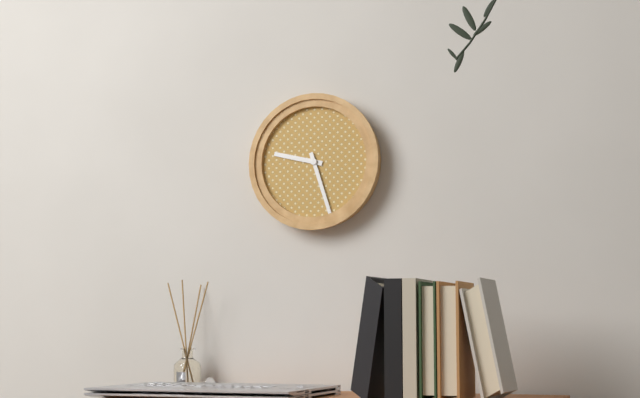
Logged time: 9,27
